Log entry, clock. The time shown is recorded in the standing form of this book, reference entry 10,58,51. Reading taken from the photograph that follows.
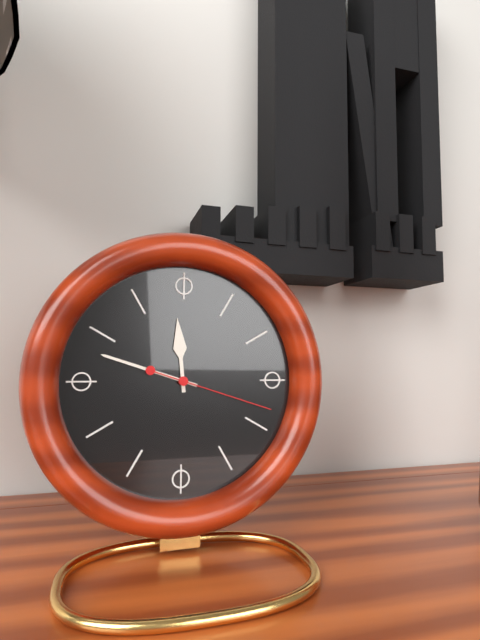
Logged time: 11,48,18
